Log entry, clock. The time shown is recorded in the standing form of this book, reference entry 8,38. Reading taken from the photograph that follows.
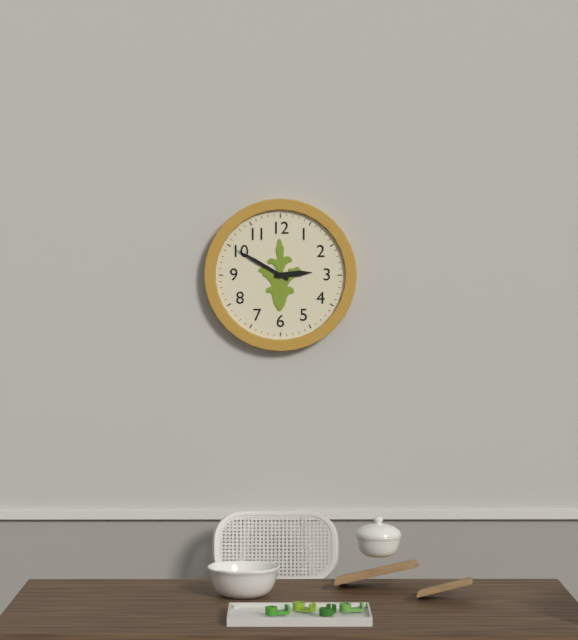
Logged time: 2,50
